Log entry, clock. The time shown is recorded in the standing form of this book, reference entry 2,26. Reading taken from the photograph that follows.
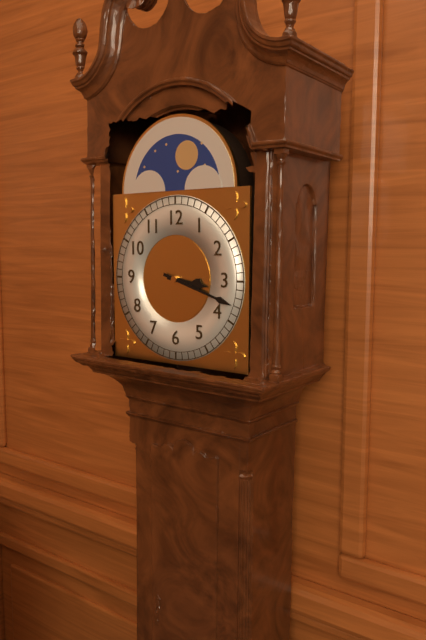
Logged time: 3,18
